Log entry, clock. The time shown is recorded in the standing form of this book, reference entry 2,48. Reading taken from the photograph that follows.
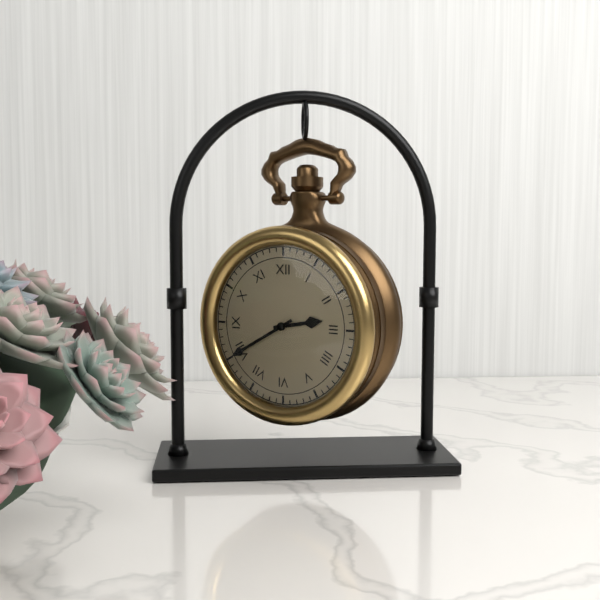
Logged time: 2,40
